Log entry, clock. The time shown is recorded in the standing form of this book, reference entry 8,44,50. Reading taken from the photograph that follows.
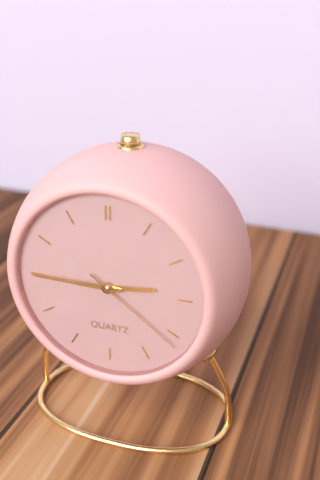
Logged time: 2,45,21
